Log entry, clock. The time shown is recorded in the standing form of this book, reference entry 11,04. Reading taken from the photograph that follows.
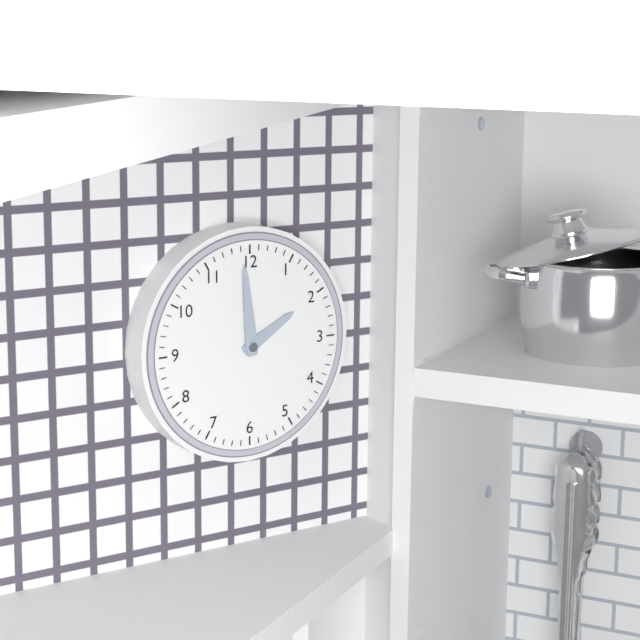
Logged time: 1,59
